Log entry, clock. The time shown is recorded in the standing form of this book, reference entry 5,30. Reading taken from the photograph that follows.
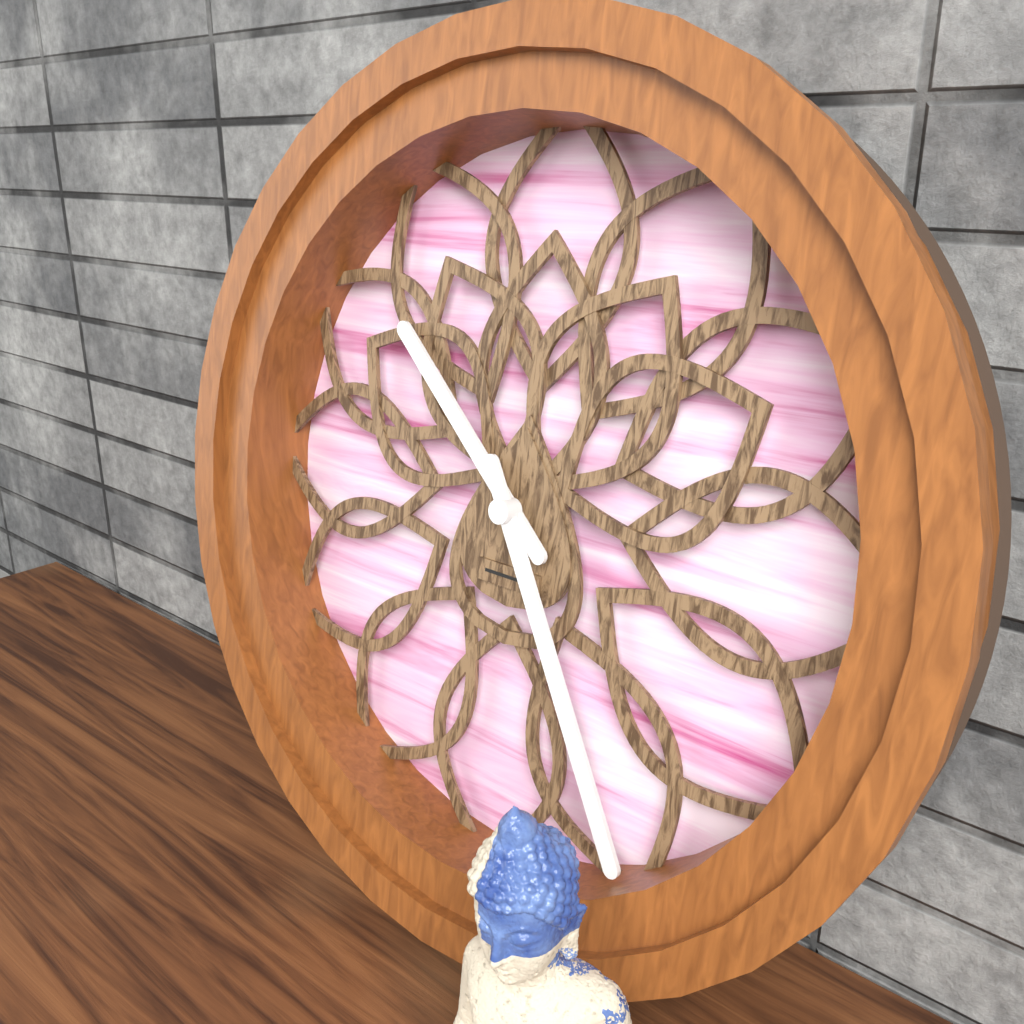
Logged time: 10,25
